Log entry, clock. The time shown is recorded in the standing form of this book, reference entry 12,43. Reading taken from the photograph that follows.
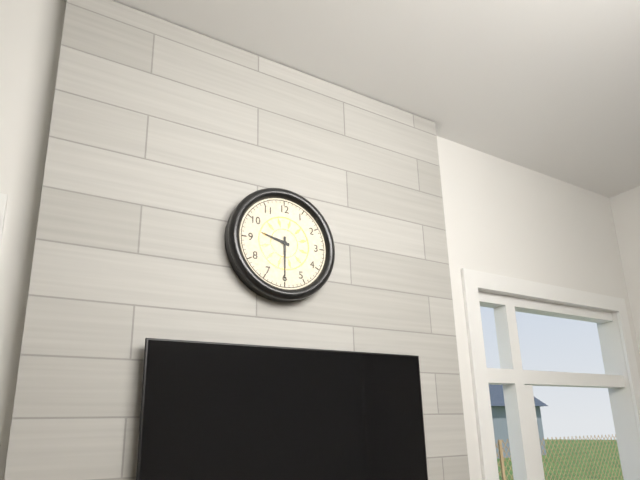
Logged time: 9,30
